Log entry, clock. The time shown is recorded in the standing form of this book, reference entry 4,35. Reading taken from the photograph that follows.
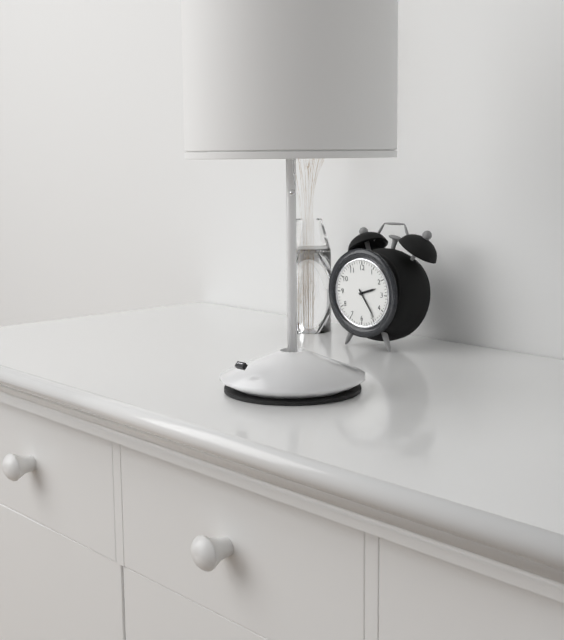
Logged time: 2,24
